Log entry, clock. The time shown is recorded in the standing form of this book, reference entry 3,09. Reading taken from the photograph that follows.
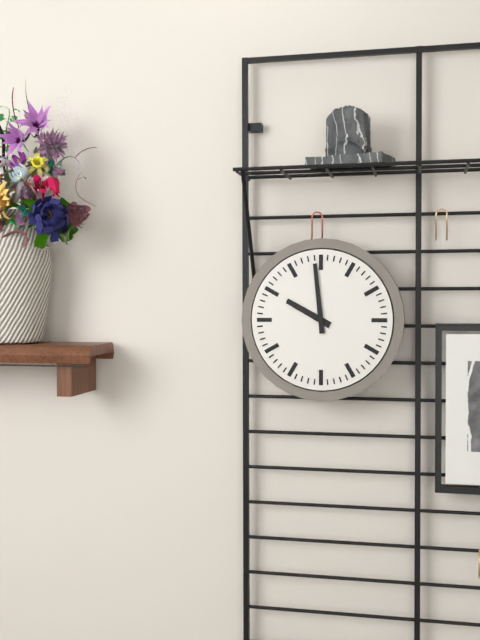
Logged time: 9,59
